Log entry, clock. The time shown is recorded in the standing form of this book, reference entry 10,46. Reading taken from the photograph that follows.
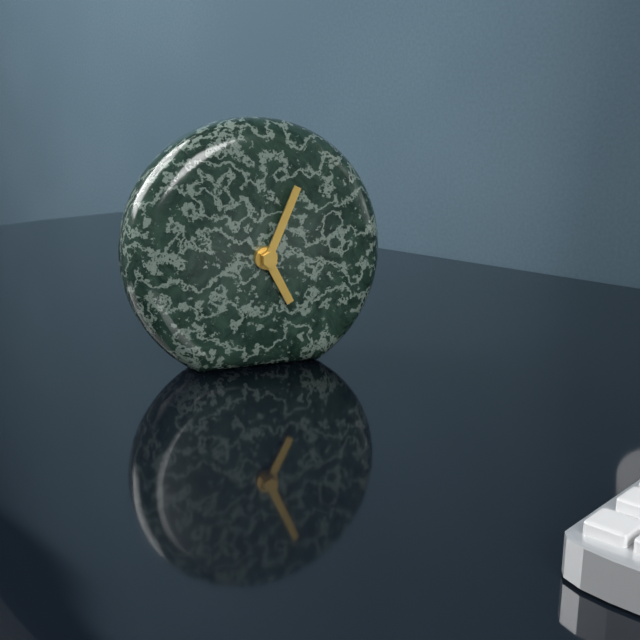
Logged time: 5,04
